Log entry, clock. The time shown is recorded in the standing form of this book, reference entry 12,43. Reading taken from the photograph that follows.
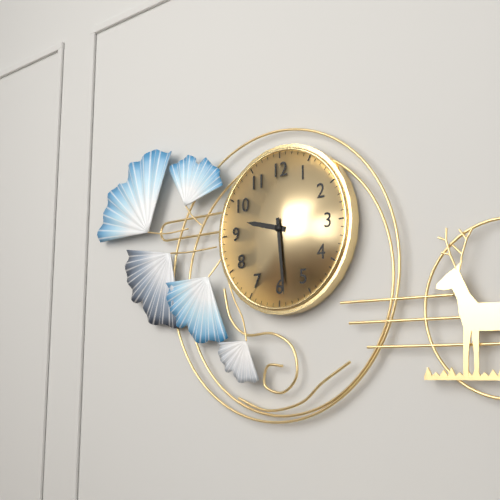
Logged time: 9,29
